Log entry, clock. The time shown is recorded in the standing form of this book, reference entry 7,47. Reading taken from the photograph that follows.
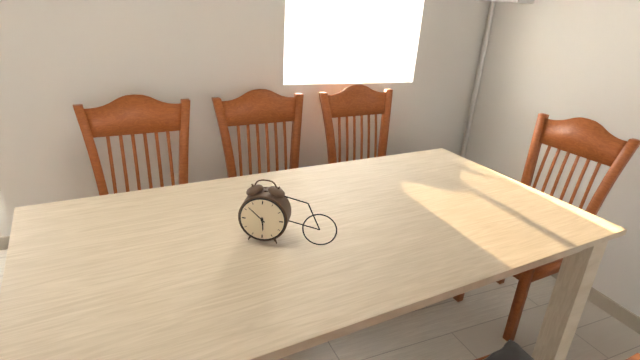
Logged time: 5,52
